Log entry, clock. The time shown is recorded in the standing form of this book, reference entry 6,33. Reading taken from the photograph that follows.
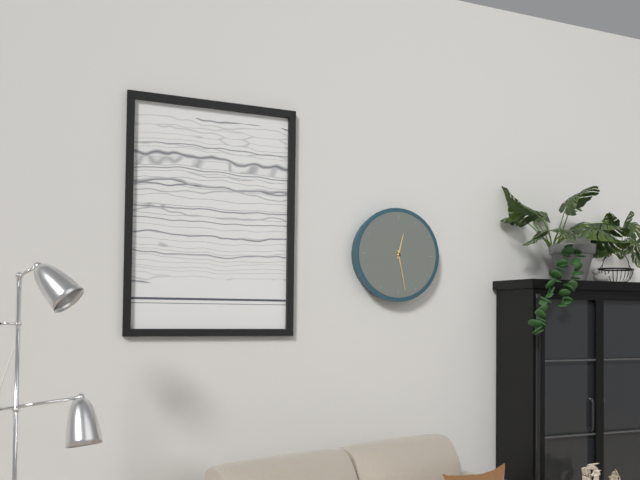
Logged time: 12,28
